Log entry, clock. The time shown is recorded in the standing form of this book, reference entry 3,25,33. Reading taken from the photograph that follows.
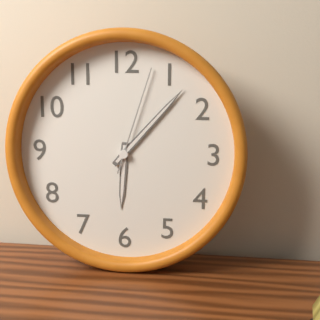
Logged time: 6,07,03
